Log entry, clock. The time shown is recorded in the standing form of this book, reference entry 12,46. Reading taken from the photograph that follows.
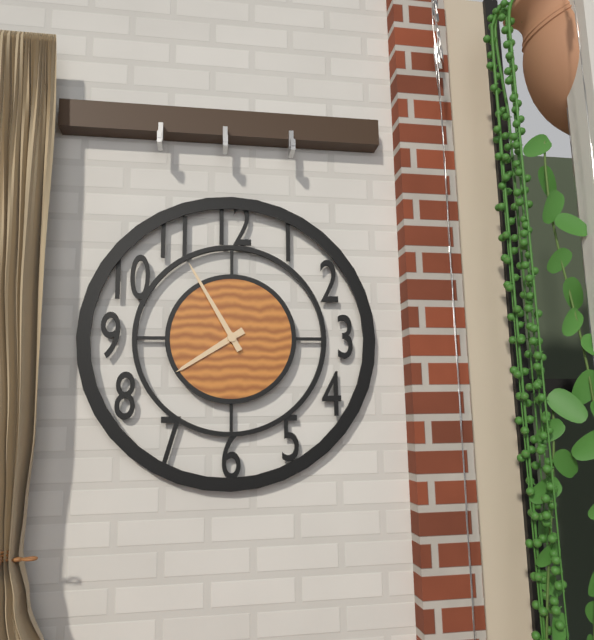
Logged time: 7,55
